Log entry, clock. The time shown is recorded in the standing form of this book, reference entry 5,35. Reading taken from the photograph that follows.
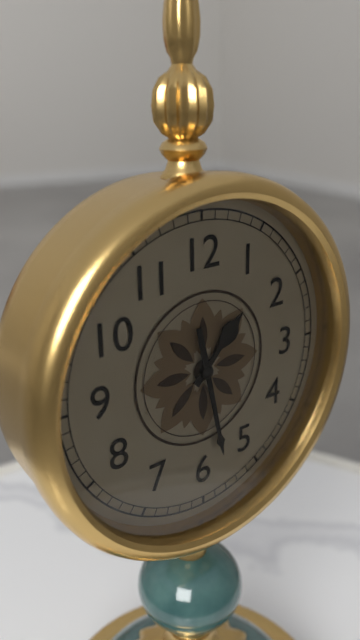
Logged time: 1,28
